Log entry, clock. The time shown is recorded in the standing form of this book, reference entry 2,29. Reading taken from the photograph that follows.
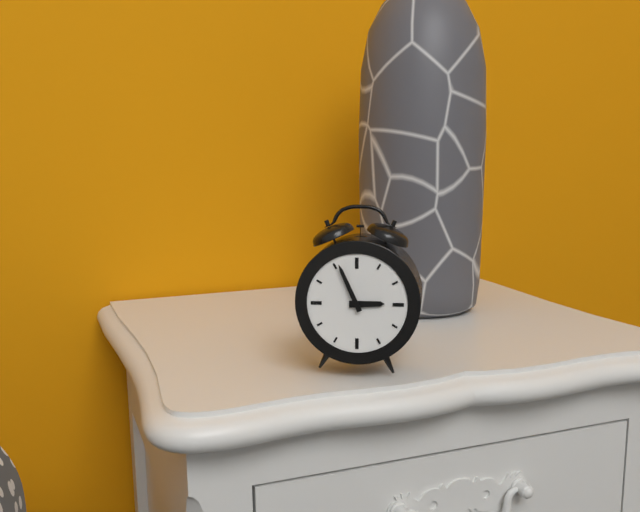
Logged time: 2,56
